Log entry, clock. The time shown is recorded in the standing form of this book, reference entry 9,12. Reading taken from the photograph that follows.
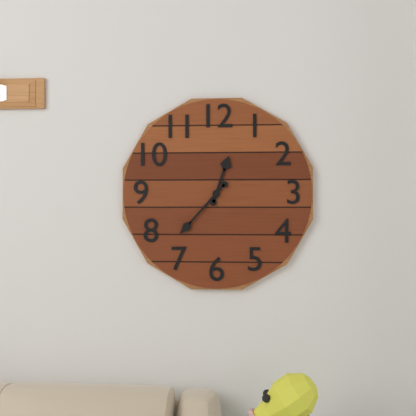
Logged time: 12,37
